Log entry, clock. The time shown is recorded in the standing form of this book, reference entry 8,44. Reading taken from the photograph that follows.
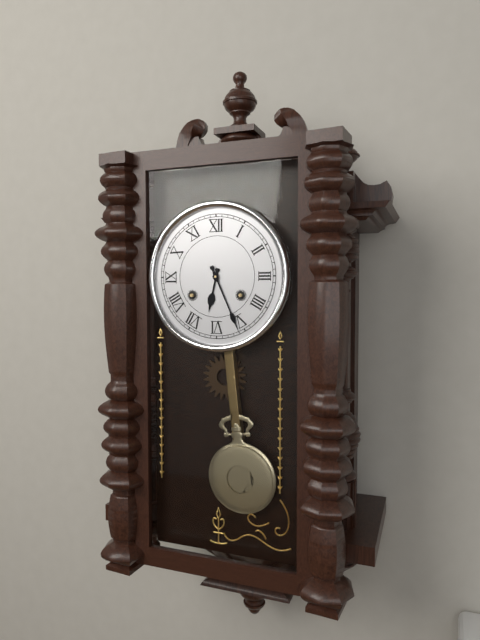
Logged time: 6,26
